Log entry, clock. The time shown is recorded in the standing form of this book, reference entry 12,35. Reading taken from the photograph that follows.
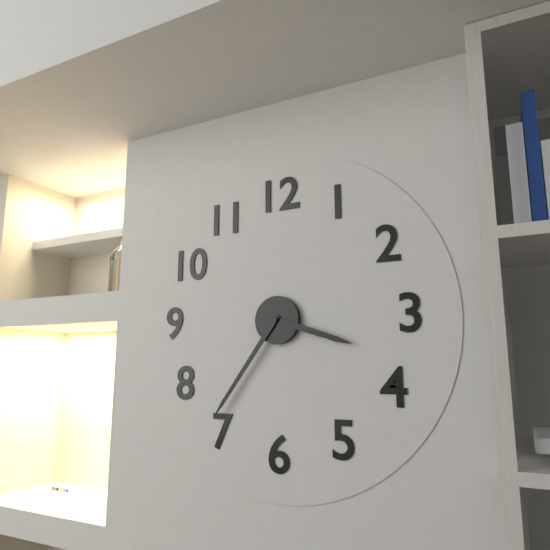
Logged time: 3,36
